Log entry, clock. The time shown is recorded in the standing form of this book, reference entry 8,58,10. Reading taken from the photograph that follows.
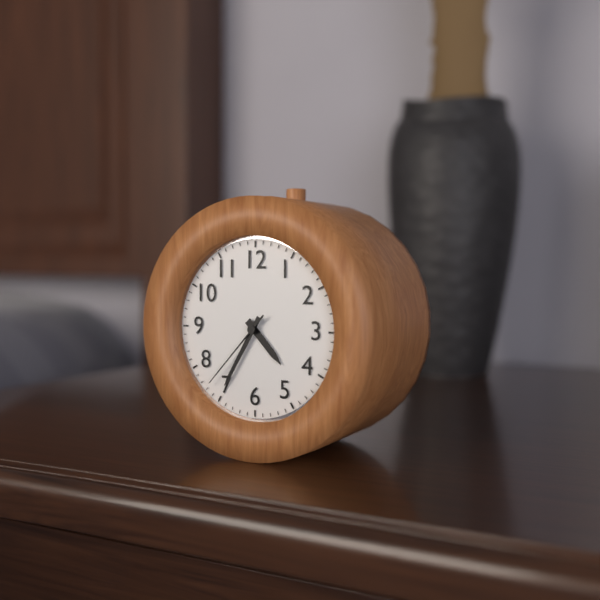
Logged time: 4,35,37
